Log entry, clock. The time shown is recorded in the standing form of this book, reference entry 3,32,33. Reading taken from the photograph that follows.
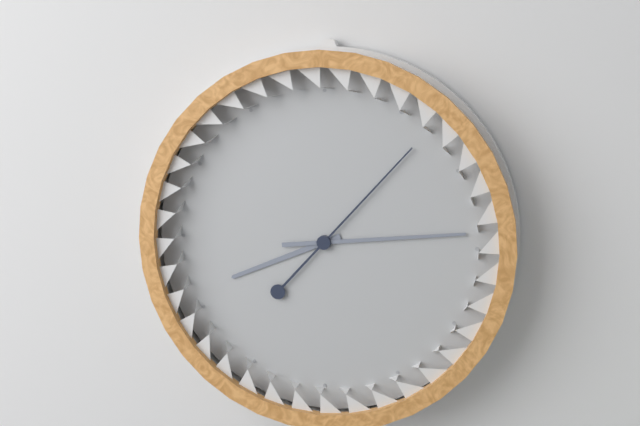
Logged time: 8,14,07
